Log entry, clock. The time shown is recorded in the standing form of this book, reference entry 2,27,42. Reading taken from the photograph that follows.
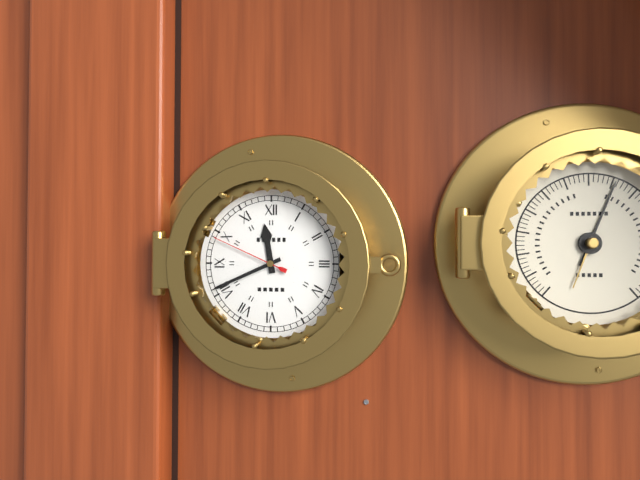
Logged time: 11,41,49
